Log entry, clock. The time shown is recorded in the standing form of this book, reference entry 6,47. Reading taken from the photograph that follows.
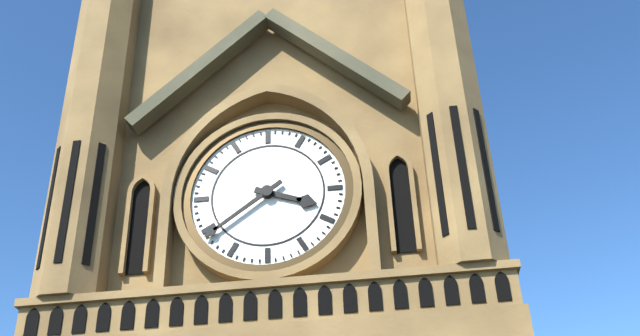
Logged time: 3,39
